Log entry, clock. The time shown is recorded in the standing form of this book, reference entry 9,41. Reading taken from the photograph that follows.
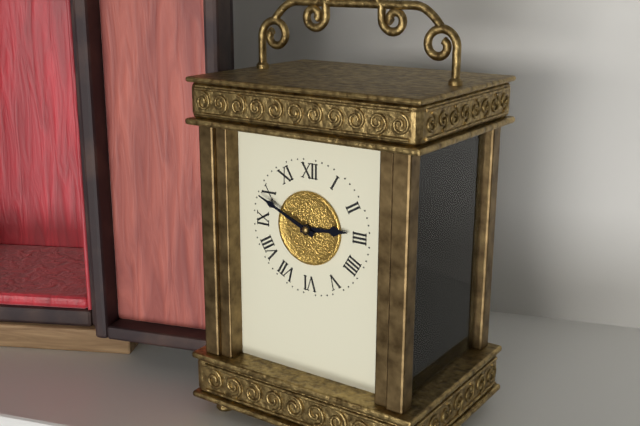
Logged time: 2,49
